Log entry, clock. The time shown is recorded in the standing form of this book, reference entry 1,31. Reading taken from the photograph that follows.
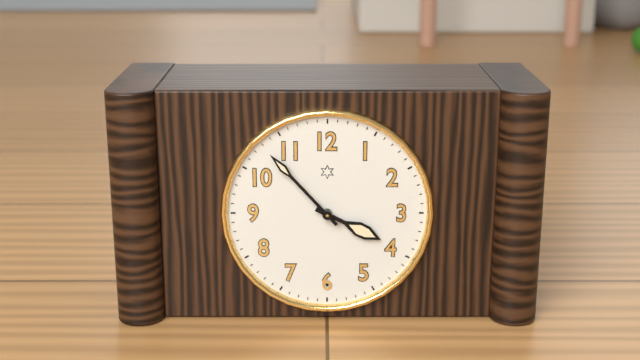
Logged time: 3,53
